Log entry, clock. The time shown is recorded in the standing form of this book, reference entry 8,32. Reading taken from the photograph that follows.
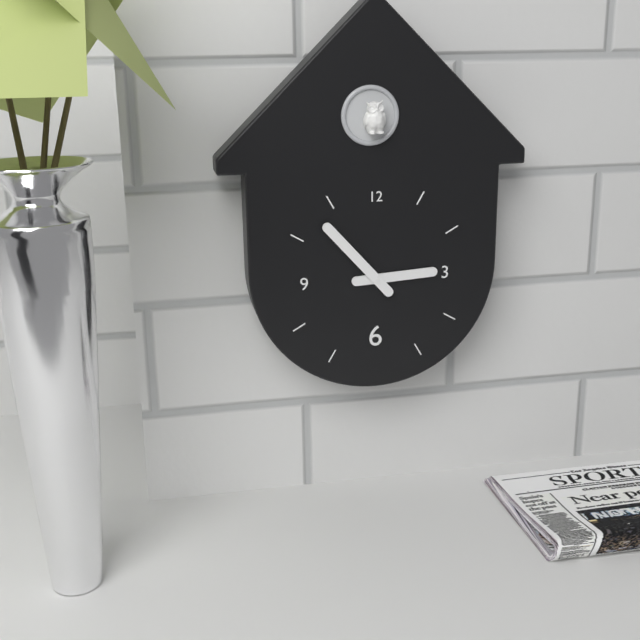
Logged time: 2,53
